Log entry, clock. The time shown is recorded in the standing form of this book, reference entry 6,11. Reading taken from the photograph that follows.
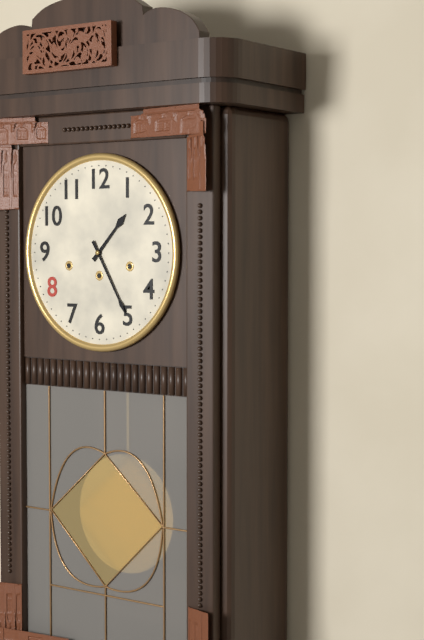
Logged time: 1,25
